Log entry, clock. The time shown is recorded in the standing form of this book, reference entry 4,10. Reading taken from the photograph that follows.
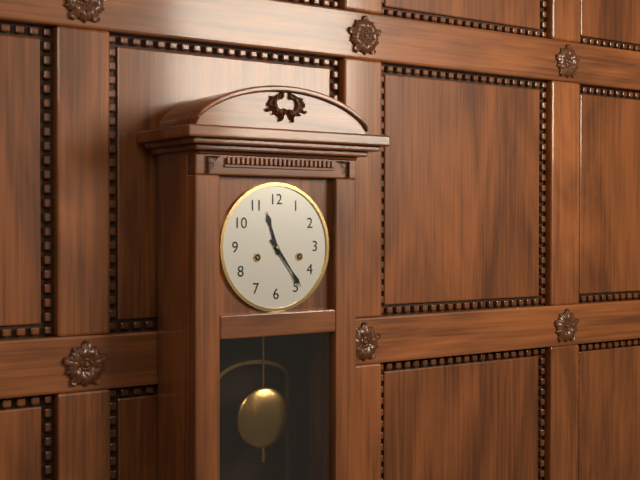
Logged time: 11,24
